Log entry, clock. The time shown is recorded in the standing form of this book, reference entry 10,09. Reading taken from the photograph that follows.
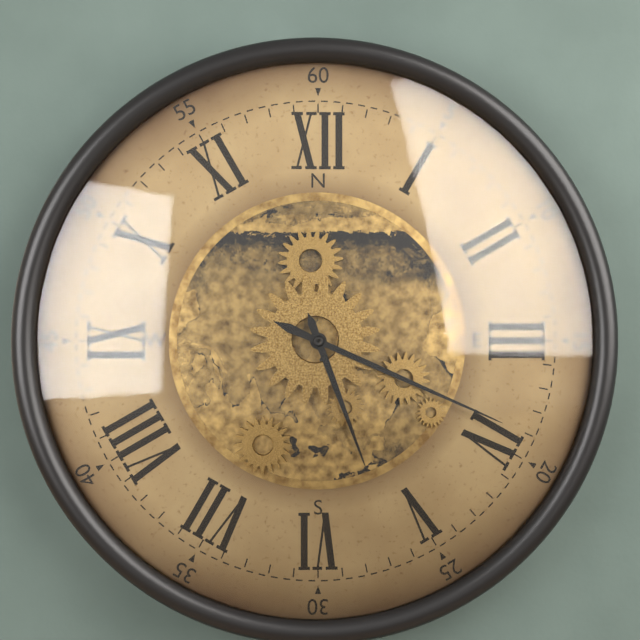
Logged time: 5,19
